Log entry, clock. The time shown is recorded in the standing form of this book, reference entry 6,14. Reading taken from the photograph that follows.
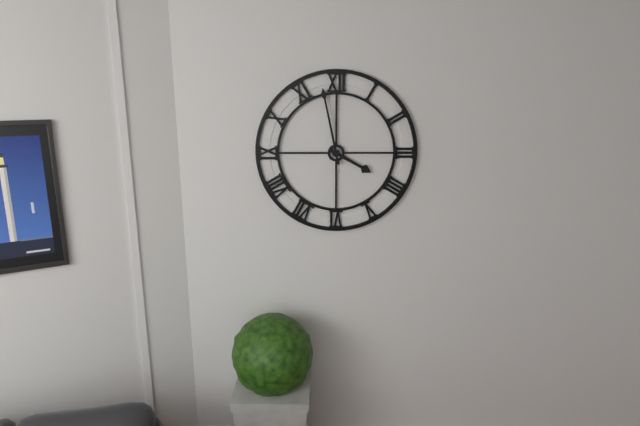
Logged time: 3,58
